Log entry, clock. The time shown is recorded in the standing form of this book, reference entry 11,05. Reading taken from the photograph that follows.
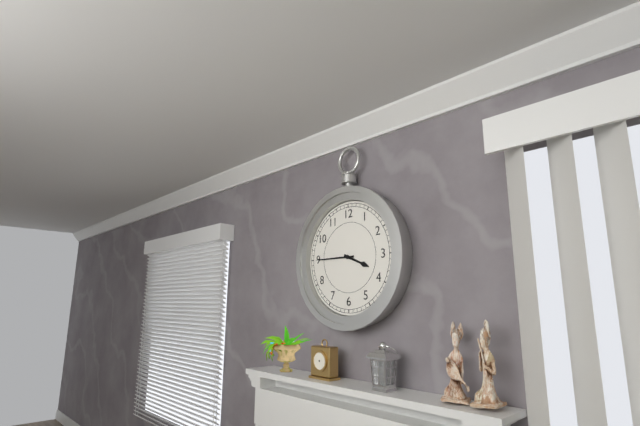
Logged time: 3,45
